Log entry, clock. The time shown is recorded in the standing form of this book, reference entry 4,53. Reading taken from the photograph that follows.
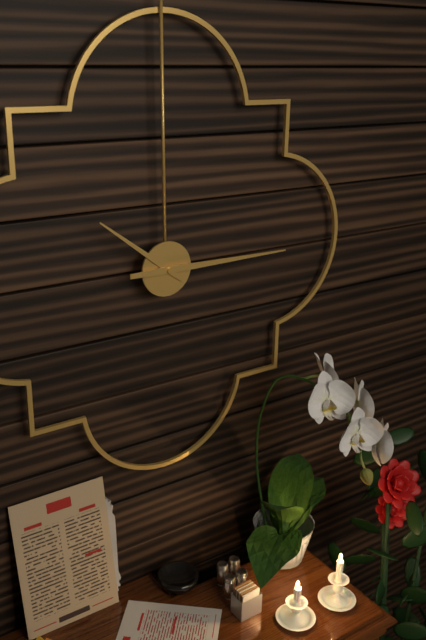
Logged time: 10,15
